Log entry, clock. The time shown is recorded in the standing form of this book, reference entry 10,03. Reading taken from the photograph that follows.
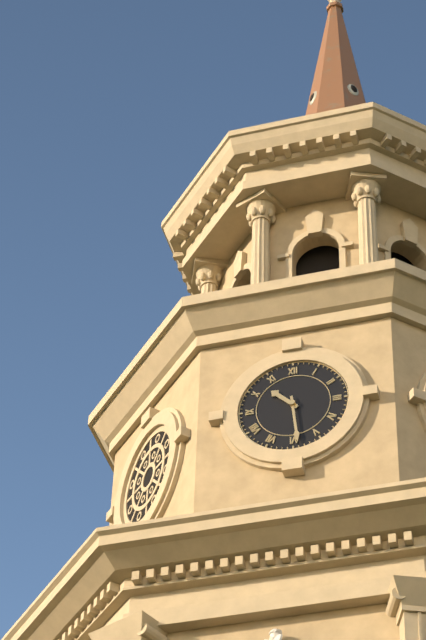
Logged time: 10,29
